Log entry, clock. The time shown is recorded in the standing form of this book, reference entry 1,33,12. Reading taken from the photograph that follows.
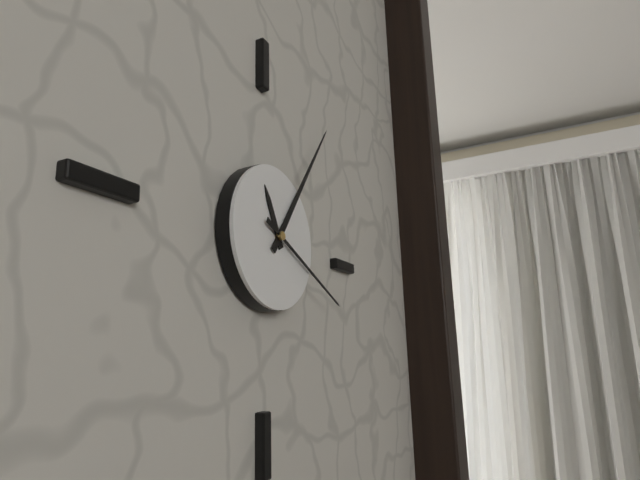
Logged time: 11,06,19
